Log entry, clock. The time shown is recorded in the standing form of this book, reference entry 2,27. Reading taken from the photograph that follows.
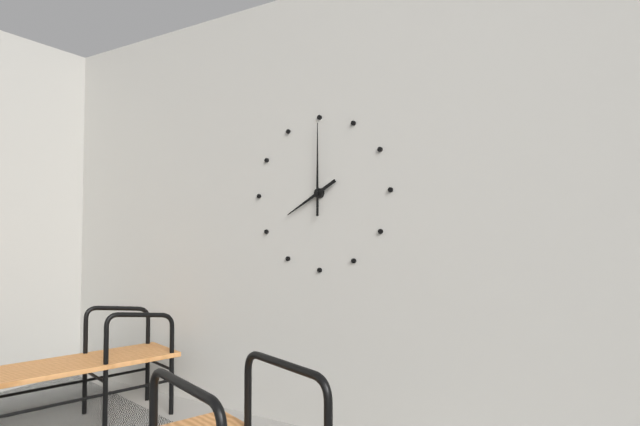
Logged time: 8,00
